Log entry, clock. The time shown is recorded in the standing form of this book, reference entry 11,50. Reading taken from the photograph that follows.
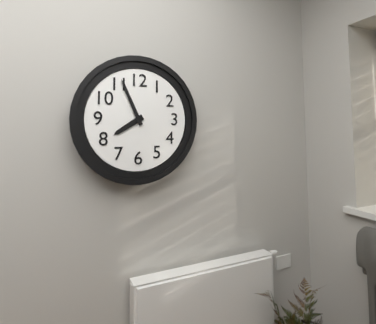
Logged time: 7,56
